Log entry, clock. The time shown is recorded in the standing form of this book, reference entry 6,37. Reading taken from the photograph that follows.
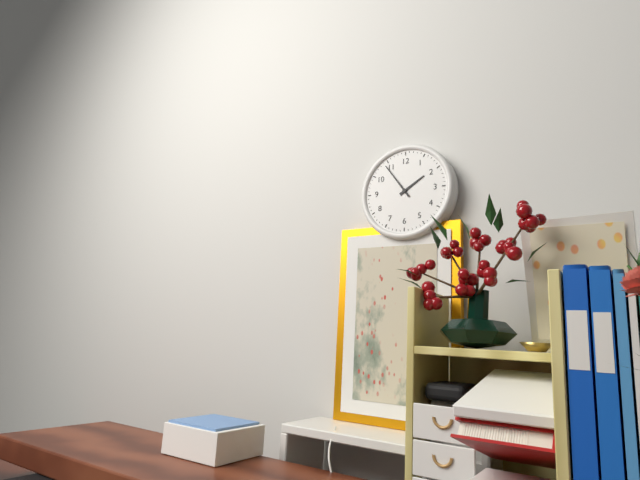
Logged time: 1,54
